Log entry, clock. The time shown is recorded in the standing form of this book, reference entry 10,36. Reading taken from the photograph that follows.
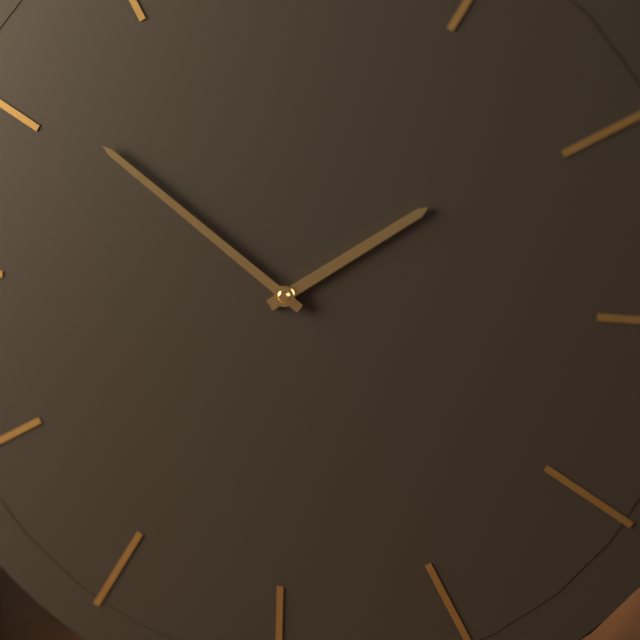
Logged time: 1,51
